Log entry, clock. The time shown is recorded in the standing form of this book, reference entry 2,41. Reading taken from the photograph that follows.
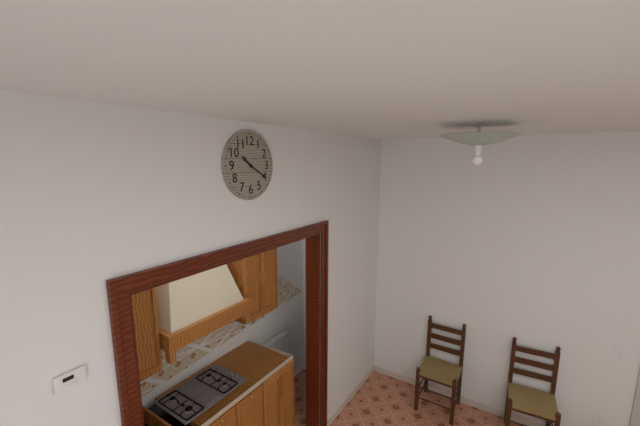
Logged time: 10,20
